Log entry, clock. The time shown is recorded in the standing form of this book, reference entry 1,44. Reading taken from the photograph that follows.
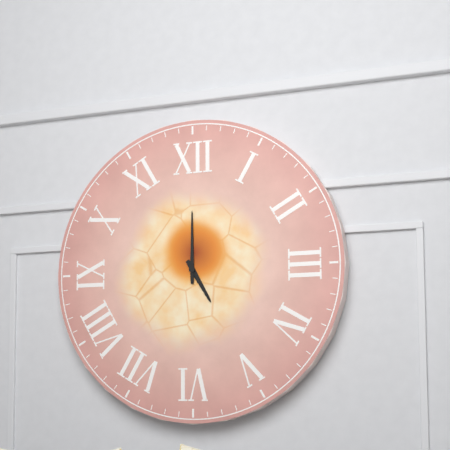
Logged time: 5,00
